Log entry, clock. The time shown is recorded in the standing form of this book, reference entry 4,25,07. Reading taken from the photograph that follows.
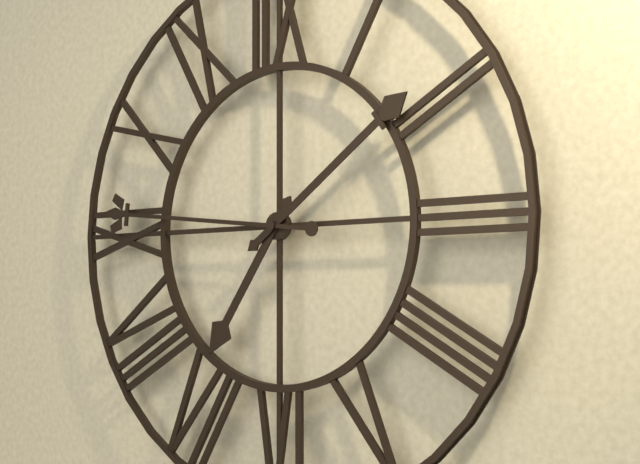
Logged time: 7,09,46
